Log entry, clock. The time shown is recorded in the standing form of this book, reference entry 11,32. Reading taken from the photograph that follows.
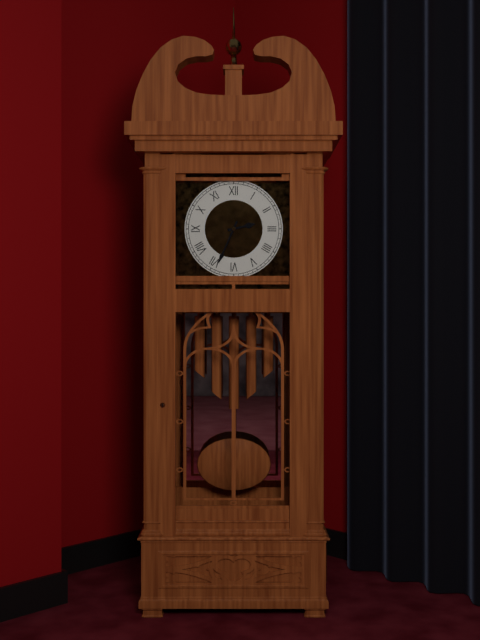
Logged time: 2,34
